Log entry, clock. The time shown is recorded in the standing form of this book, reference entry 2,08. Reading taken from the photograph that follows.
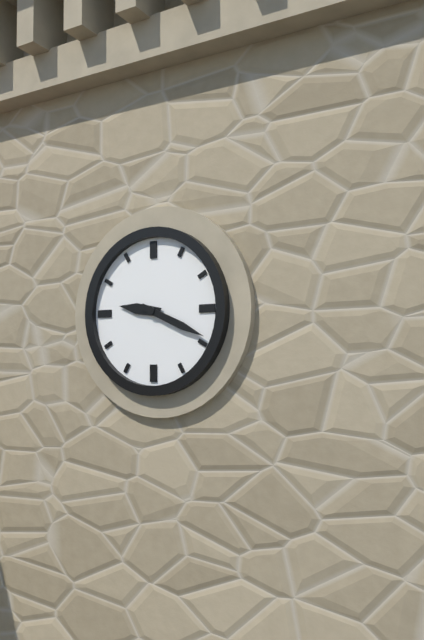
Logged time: 9,19
